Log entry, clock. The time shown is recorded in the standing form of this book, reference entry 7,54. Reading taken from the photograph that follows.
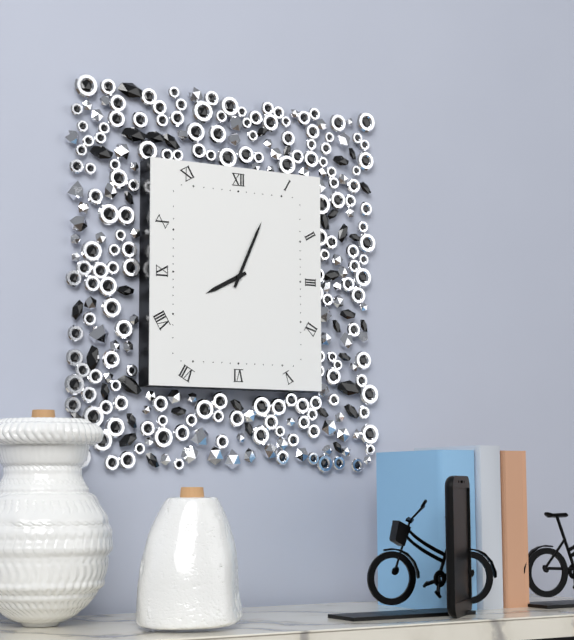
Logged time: 8,04
